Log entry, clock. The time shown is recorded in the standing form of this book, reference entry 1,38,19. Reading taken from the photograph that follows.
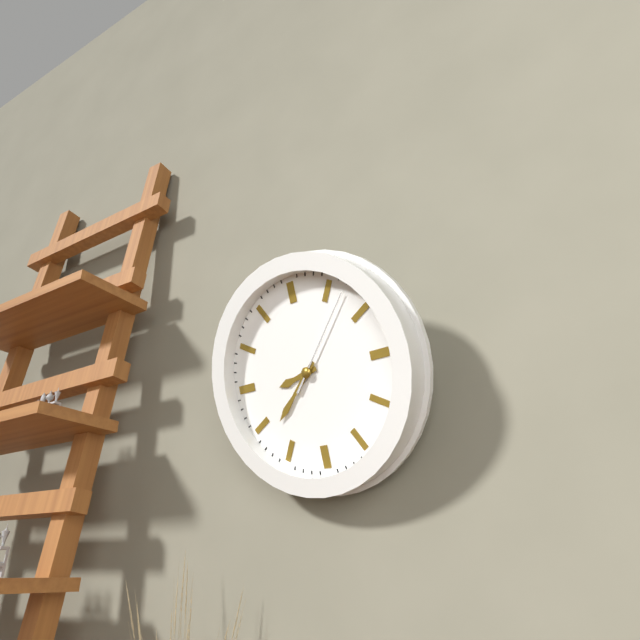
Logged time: 8,38,07
